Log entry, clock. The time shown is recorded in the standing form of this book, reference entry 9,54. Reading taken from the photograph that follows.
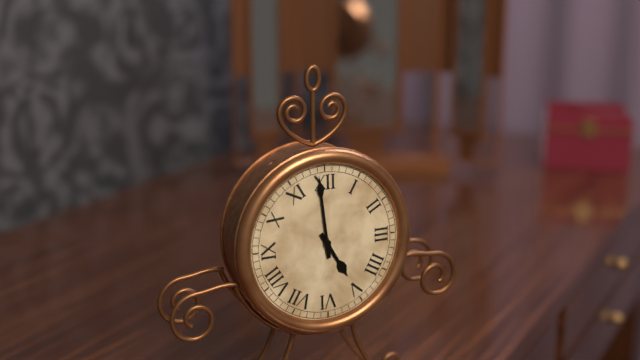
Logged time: 4,59
